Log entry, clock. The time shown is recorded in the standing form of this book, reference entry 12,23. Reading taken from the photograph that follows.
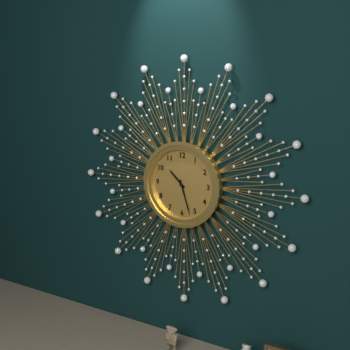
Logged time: 10,27
